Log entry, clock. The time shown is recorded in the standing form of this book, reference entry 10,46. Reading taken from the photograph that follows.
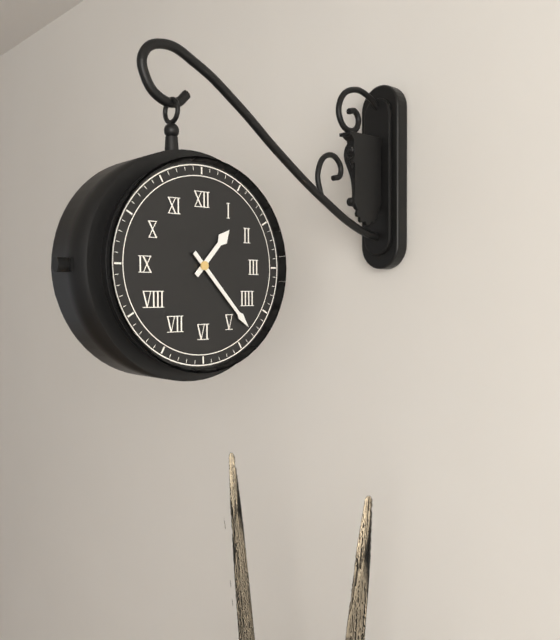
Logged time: 1,23
